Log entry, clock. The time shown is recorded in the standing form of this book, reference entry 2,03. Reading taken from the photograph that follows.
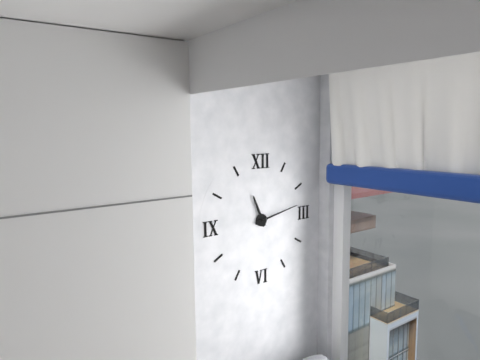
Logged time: 11,13
